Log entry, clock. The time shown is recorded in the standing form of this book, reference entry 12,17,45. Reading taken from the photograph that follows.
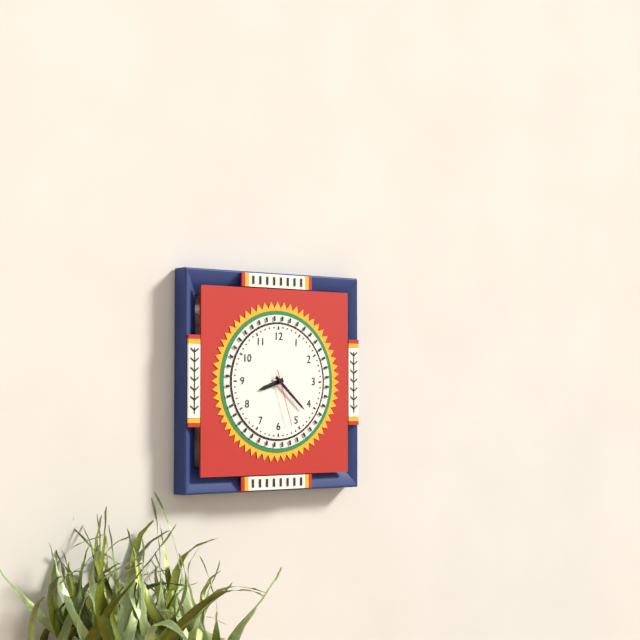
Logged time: 8,22,27
